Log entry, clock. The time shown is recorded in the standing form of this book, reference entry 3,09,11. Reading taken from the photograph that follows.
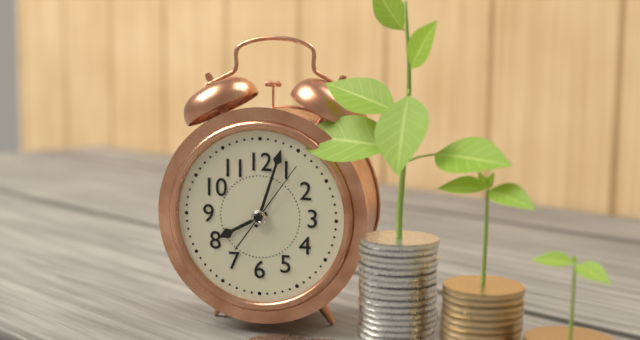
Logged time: 8,03,06
